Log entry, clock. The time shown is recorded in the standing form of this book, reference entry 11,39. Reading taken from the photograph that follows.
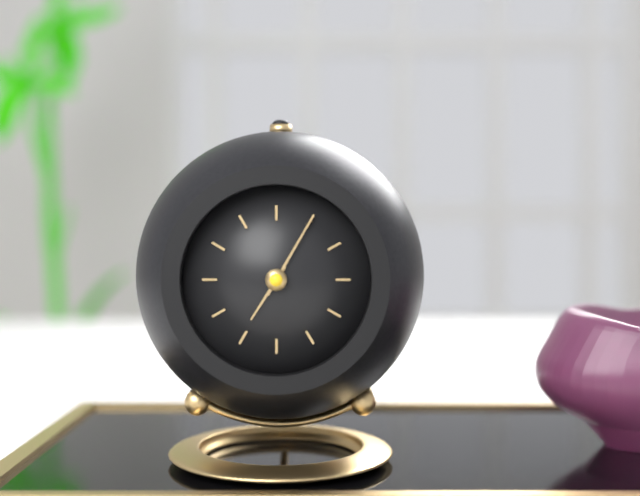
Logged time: 7,05
